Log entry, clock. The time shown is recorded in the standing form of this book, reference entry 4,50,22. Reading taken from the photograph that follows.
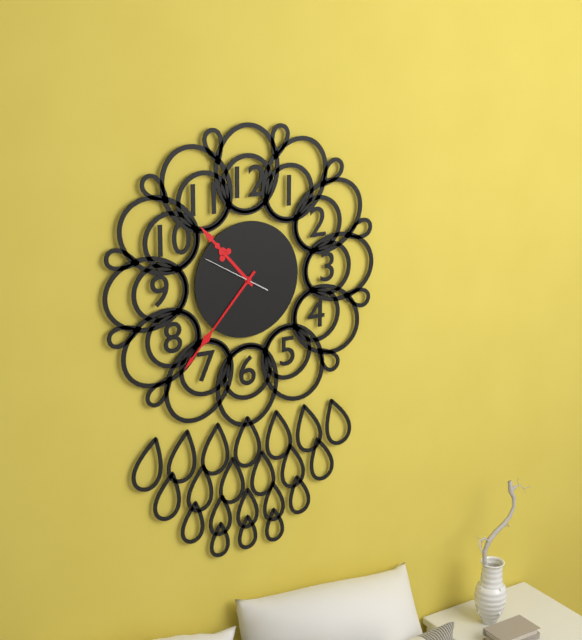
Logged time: 10,37,50
